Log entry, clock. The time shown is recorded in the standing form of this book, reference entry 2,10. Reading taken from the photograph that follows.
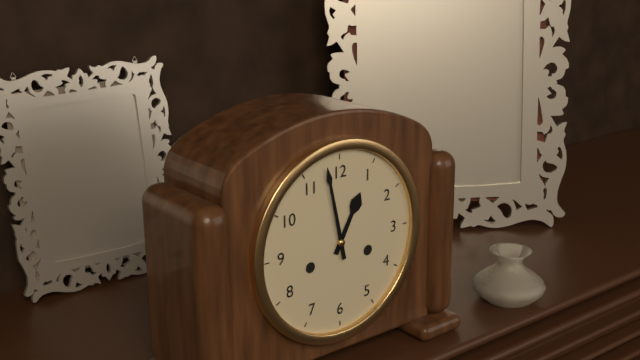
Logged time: 12,58
